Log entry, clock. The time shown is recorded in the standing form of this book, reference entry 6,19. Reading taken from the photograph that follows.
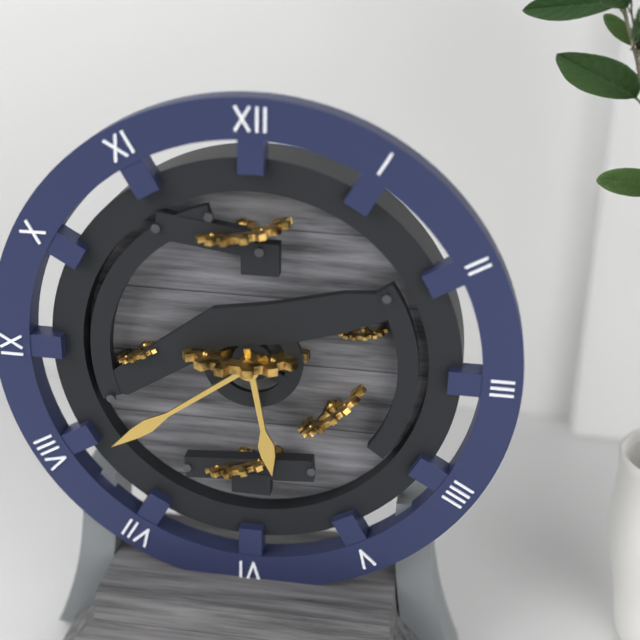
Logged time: 5,39
